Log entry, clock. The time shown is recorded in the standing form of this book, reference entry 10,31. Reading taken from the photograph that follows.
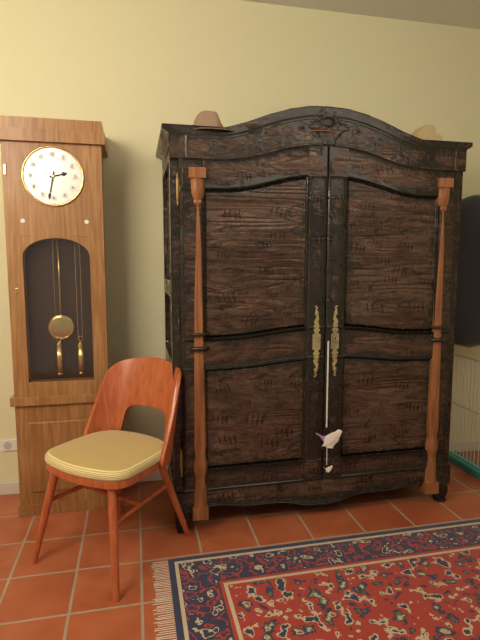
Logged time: 2,32
